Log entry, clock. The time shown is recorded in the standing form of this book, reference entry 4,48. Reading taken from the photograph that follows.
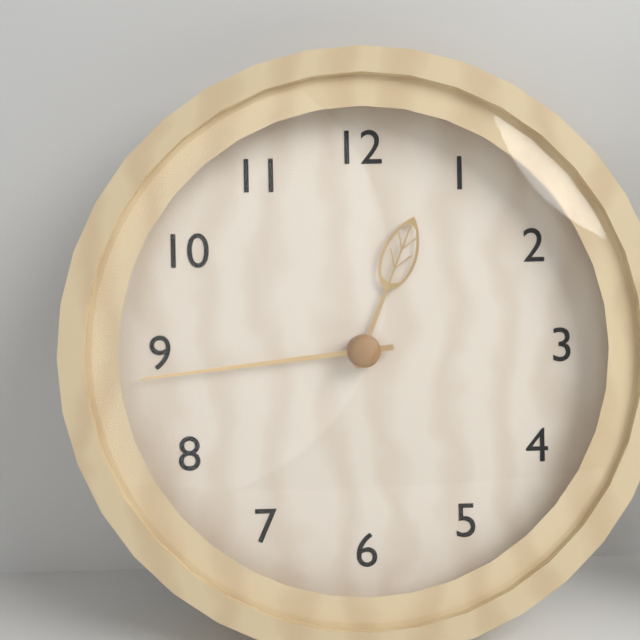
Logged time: 12,44
